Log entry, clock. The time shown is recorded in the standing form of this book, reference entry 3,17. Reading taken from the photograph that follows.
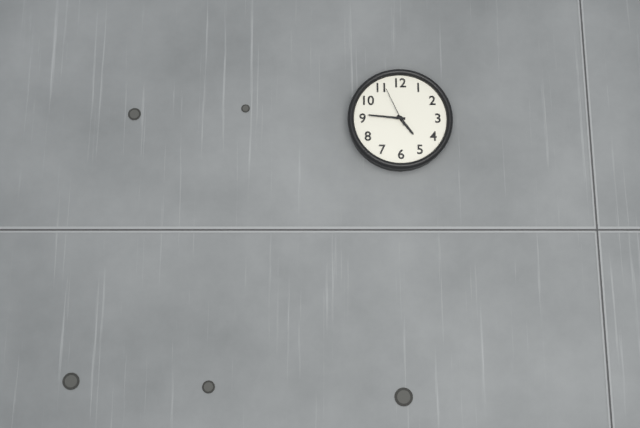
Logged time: 4,46
